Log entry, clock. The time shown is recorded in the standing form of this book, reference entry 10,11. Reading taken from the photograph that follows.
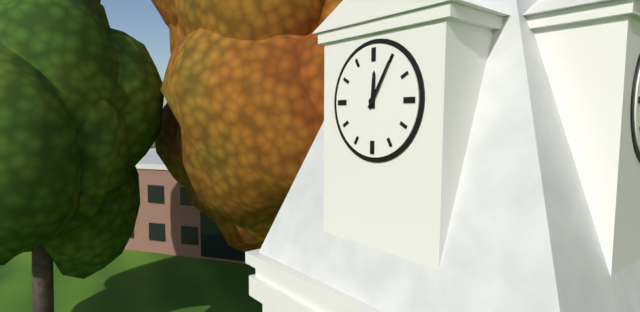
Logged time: 12,05
